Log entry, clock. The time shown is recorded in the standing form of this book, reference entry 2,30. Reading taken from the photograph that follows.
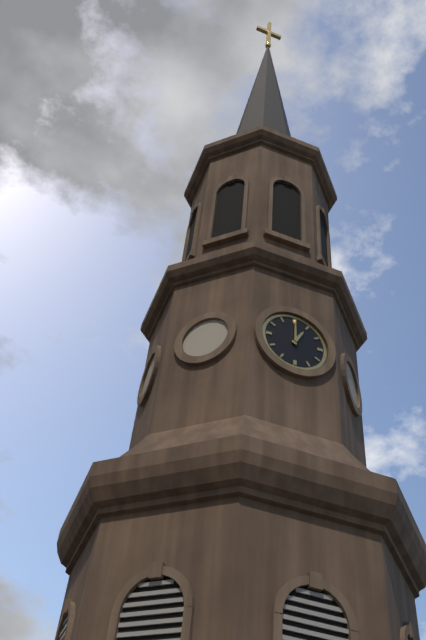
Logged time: 1,00
